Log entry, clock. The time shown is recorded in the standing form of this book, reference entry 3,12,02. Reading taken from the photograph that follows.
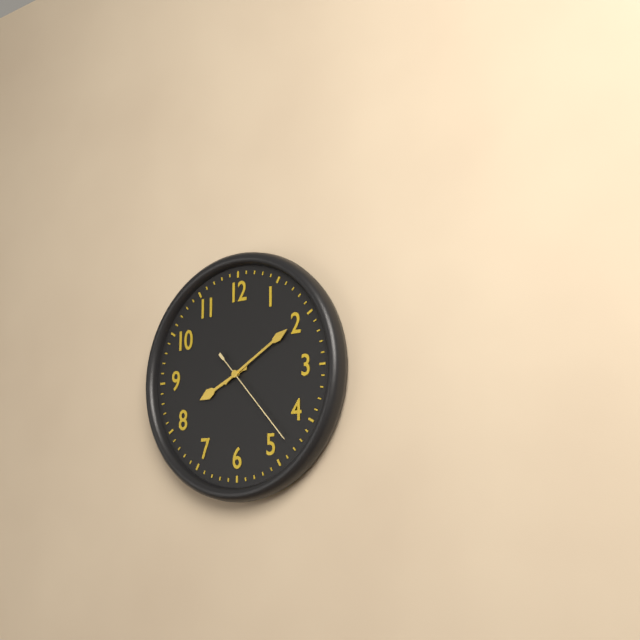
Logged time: 8,10,23
